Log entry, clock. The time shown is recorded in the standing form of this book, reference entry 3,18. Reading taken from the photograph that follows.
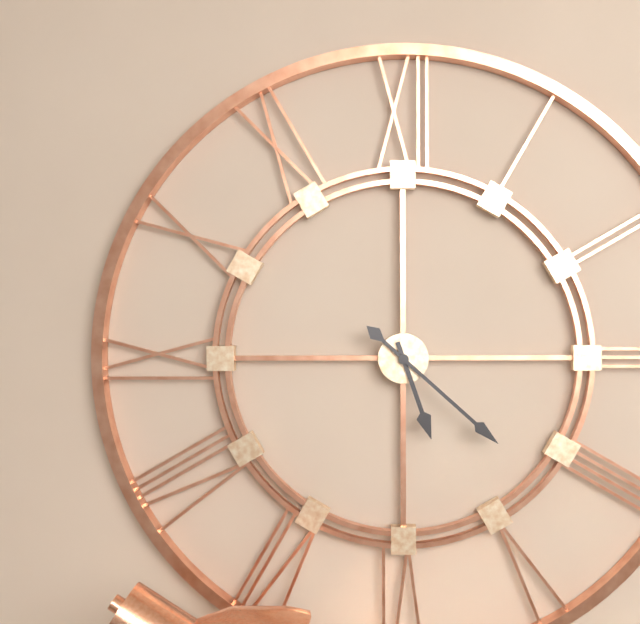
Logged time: 5,22
